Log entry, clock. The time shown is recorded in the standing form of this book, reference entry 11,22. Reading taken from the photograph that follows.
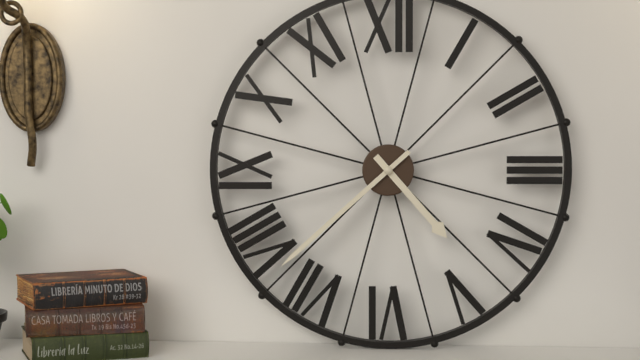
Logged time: 4,38
